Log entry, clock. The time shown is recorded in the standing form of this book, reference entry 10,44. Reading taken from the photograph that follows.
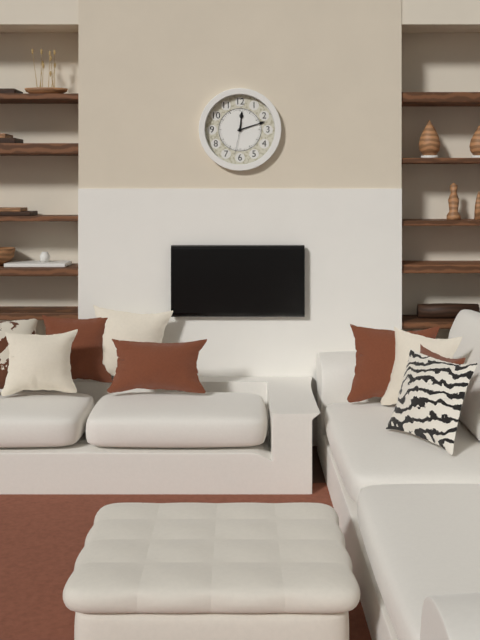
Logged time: 12,12
